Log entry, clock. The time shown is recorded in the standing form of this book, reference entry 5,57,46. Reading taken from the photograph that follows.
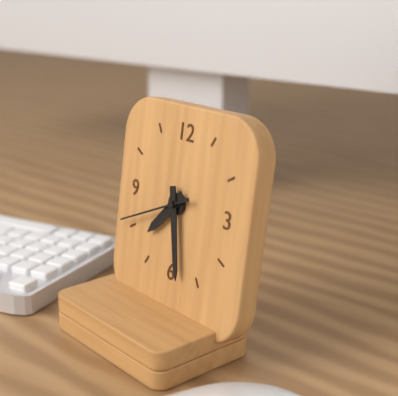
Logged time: 7,28,41
